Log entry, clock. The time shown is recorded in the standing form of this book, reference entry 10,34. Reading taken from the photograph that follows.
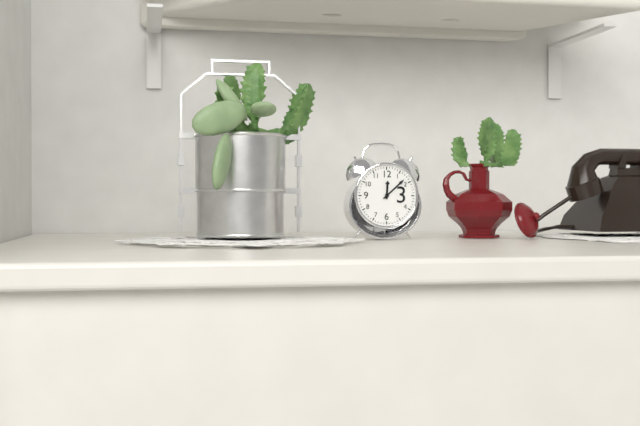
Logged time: 12,08
